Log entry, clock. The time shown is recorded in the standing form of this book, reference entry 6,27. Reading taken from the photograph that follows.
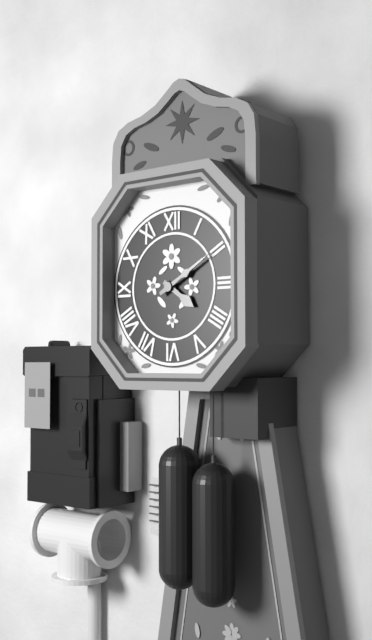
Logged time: 4,10
